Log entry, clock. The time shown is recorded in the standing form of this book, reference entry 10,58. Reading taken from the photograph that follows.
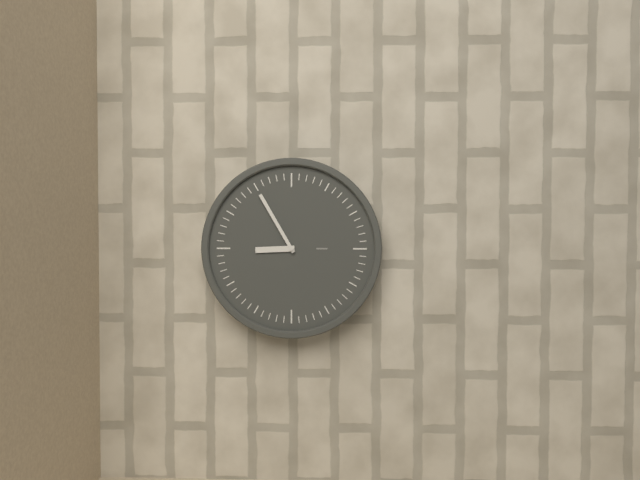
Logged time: 8,55
